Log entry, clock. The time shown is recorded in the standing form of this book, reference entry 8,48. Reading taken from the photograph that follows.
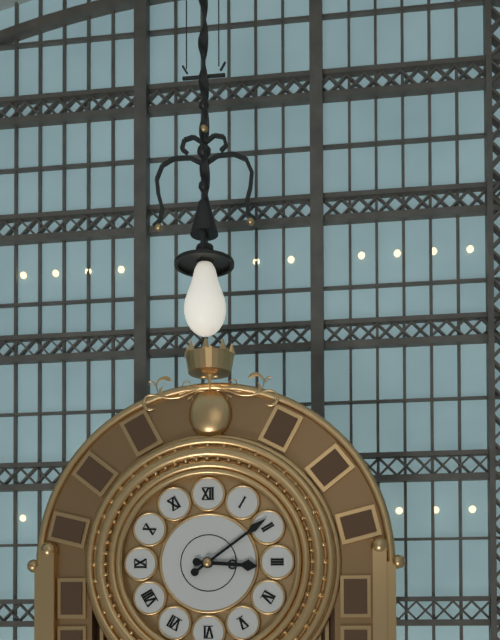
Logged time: 3,09
